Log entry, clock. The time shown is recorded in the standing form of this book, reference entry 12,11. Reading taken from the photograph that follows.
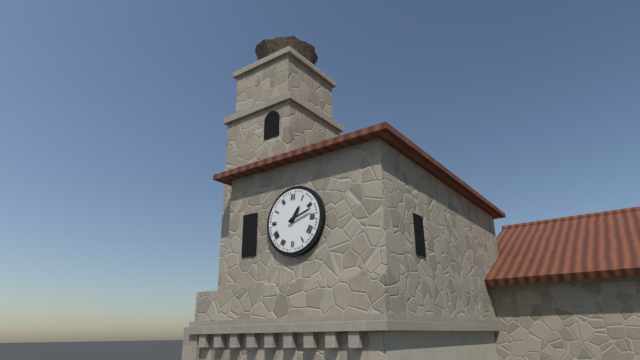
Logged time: 1,12
